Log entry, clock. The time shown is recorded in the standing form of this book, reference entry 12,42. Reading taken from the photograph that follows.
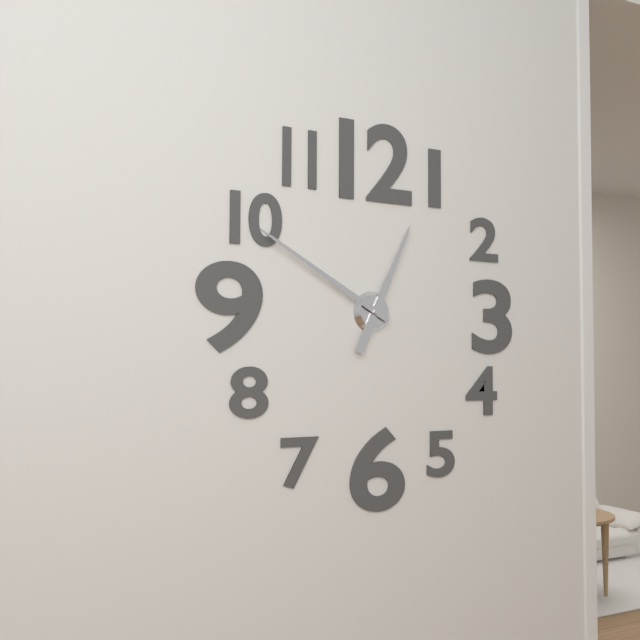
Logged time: 12,50
